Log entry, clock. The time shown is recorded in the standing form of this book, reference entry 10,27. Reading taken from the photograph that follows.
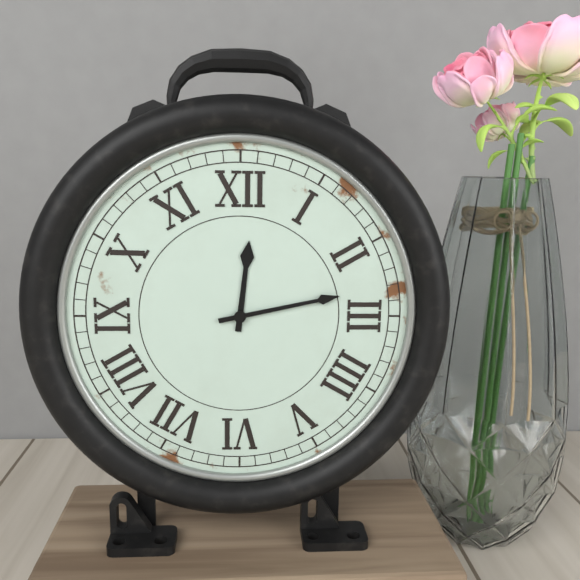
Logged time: 12,13
